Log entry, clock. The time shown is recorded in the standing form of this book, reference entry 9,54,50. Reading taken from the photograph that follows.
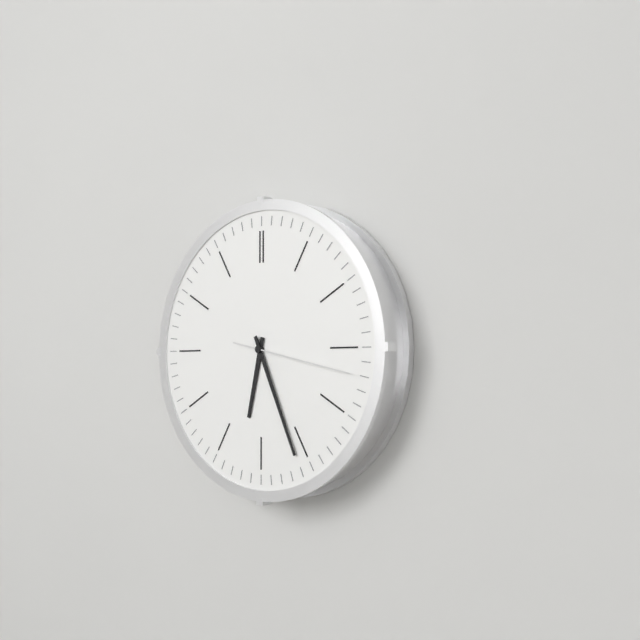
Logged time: 6,26,17
